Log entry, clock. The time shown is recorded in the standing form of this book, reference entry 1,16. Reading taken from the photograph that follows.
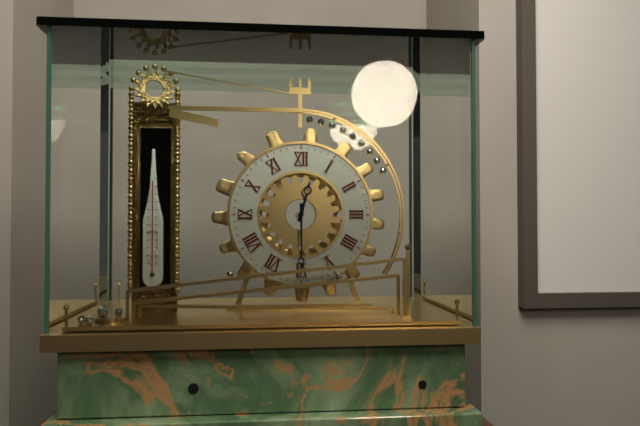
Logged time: 12,30
